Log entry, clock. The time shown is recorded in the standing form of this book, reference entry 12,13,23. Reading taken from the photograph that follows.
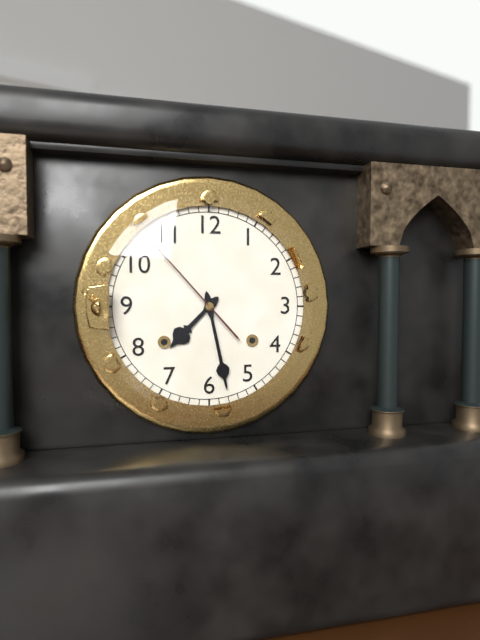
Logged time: 7,28,53
